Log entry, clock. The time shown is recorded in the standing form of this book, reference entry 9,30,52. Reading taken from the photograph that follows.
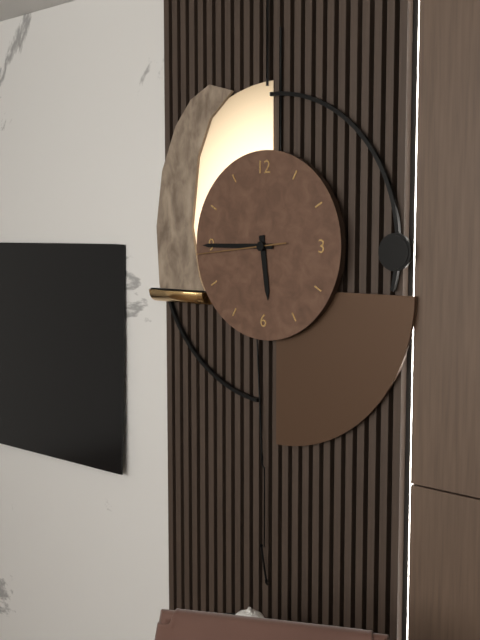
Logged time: 5,45,44
